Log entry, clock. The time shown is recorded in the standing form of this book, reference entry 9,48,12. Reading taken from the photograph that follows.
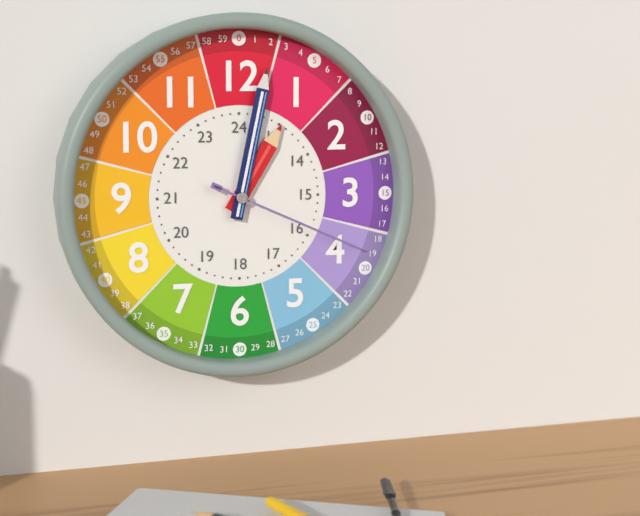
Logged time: 1,02,19
